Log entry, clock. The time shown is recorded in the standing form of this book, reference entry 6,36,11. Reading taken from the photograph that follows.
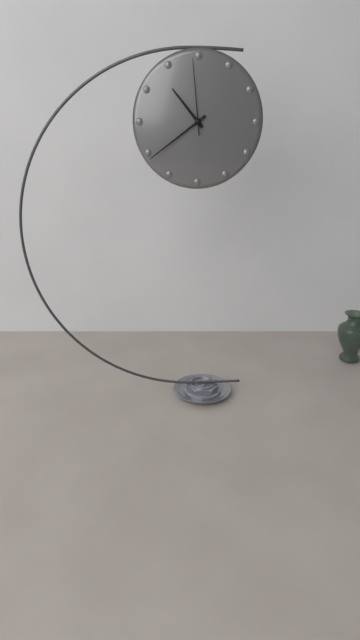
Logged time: 10,39,59
